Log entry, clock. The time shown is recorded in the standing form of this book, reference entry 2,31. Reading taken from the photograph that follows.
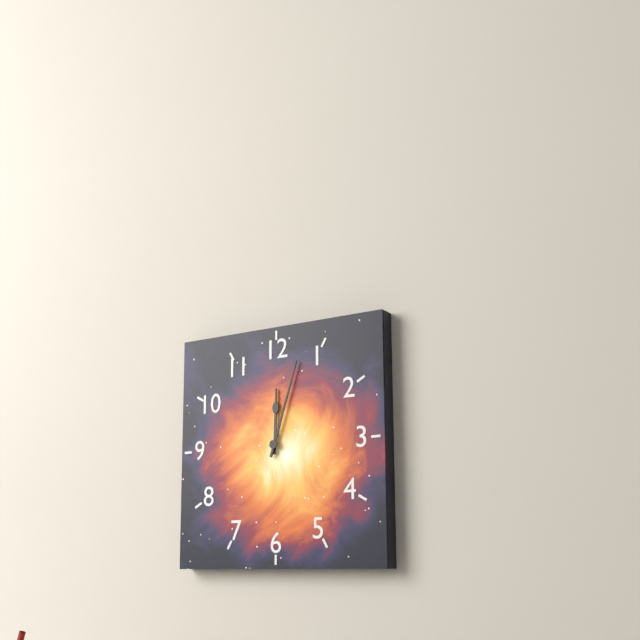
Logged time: 12,03
